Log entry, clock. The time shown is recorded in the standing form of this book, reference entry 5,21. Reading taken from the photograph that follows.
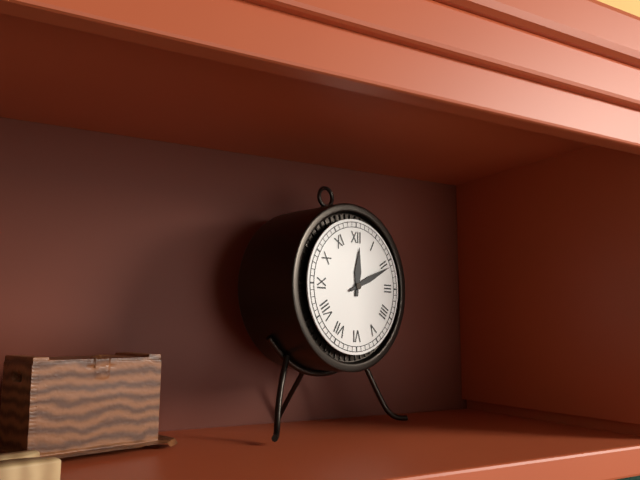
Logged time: 12,11
